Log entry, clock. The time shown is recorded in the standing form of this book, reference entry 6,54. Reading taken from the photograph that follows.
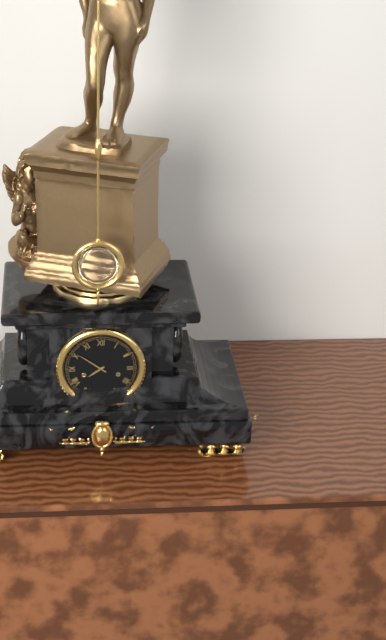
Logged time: 7,51
